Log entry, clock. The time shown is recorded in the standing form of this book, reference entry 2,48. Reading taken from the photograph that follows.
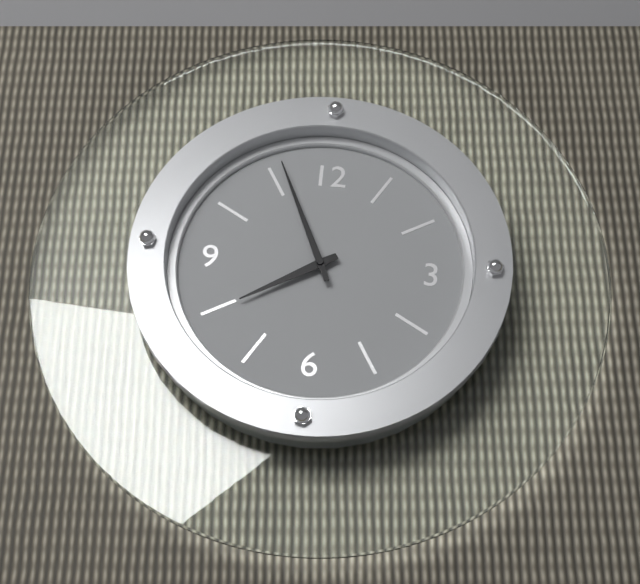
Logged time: 7,56
